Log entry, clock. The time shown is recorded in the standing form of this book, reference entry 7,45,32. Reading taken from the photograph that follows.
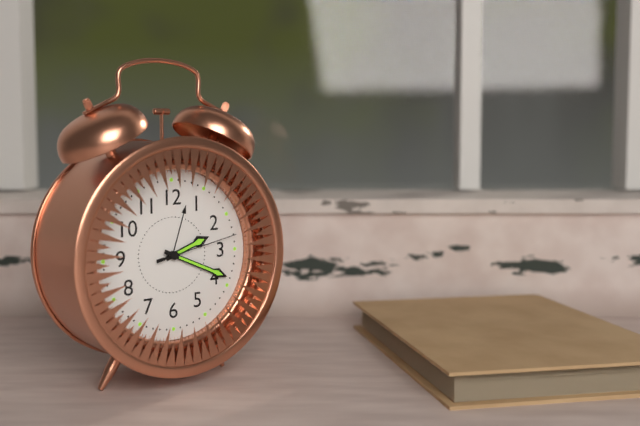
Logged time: 2,19,13
